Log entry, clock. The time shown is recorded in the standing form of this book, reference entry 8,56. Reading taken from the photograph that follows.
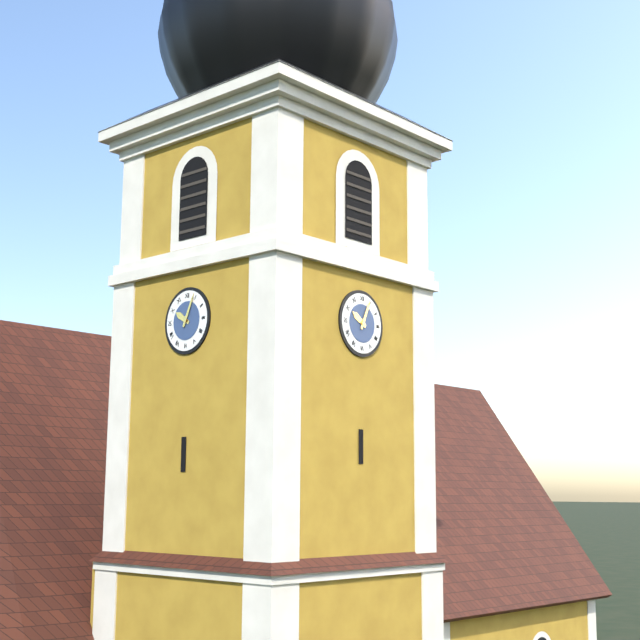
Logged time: 10,04
